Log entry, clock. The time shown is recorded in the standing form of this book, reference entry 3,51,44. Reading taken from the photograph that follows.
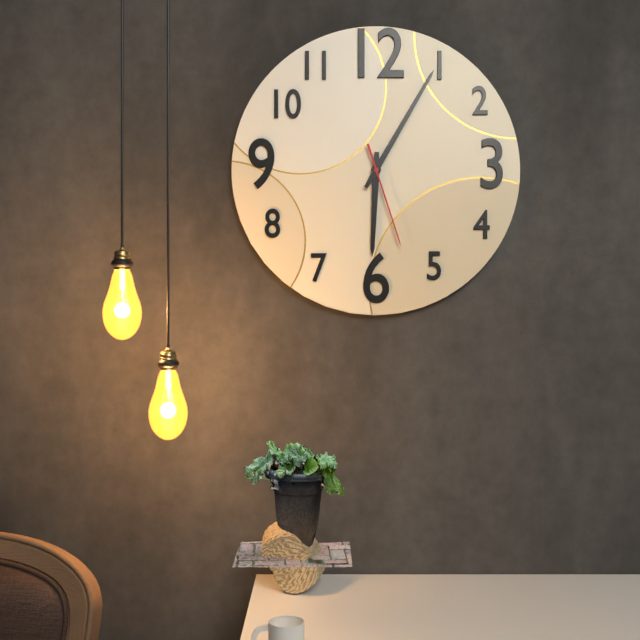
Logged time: 6,05,27
